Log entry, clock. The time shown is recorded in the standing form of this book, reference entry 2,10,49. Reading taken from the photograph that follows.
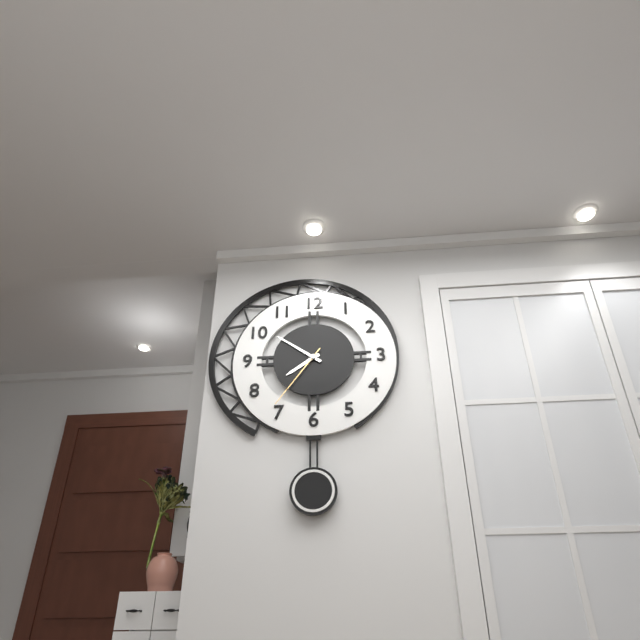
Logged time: 7,51,36
